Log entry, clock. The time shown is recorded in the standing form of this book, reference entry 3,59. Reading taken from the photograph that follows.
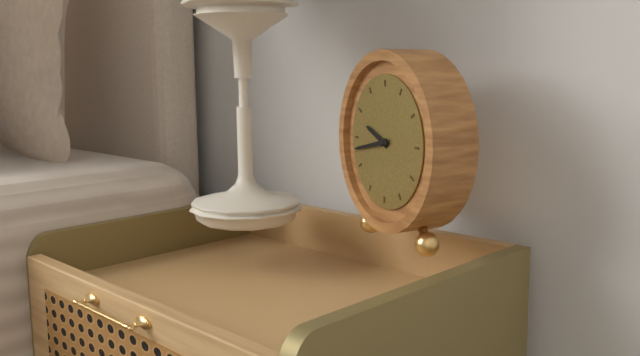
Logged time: 9,43
